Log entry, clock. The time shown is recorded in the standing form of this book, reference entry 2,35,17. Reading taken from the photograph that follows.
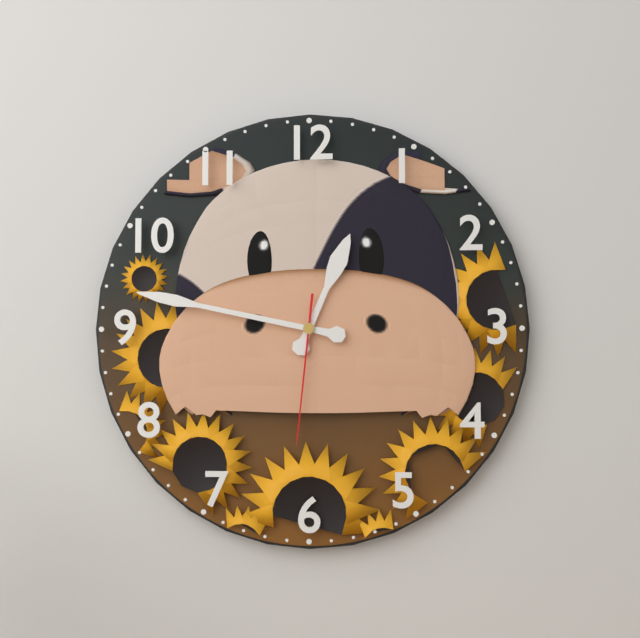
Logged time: 12,47,31
